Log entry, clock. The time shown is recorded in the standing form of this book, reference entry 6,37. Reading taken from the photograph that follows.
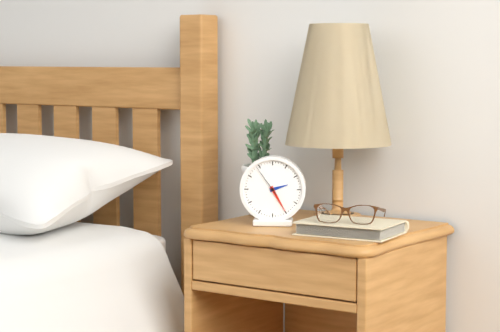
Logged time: 2,25
